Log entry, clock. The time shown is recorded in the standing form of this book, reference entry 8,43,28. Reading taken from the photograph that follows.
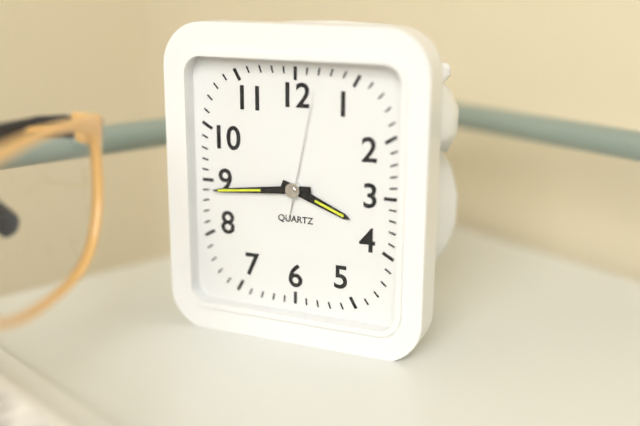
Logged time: 3,44,02
